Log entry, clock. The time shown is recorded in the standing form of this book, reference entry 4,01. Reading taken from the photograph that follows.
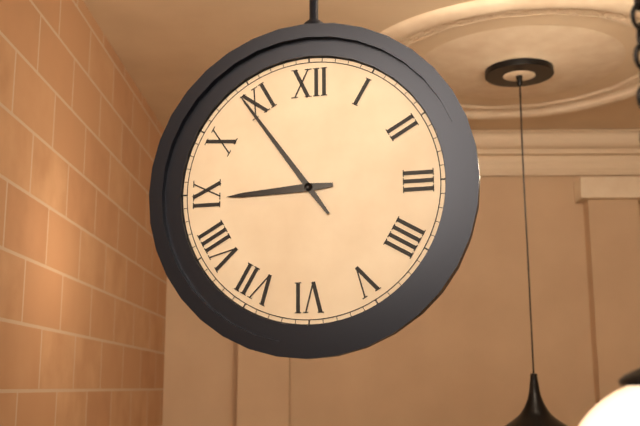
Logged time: 8,54
